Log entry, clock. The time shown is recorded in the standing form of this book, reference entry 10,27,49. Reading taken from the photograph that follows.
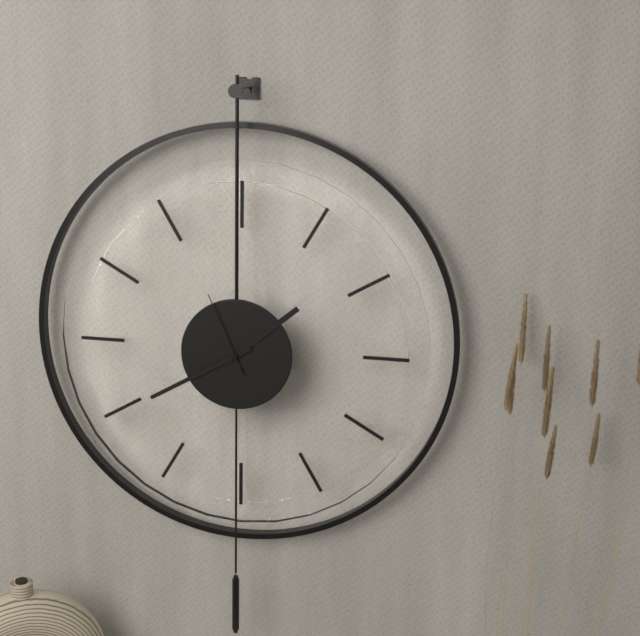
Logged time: 1,40,56
